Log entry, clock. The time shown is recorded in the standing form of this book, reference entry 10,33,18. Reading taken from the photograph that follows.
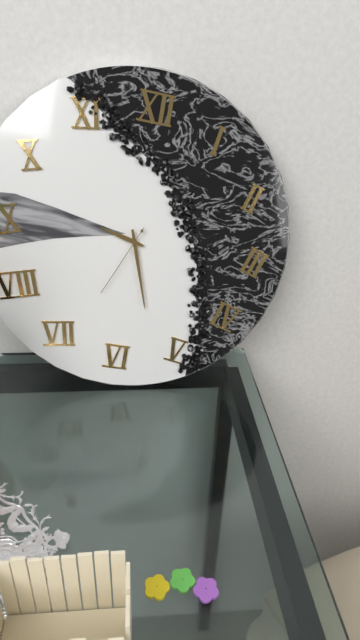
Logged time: 9,27,34
